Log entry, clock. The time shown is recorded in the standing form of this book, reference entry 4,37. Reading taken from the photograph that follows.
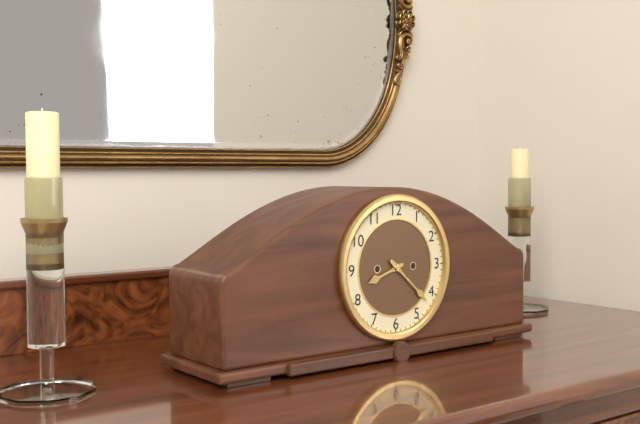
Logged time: 8,22
